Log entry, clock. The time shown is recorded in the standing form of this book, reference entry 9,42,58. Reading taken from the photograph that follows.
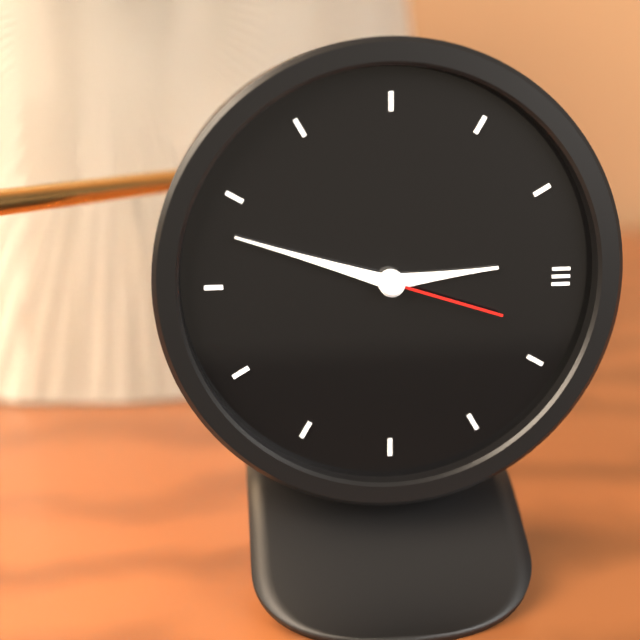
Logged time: 2,48,18
